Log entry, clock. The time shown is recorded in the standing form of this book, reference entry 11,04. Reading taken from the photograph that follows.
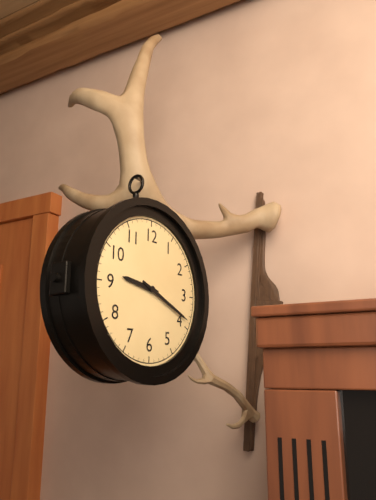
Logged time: 9,19
